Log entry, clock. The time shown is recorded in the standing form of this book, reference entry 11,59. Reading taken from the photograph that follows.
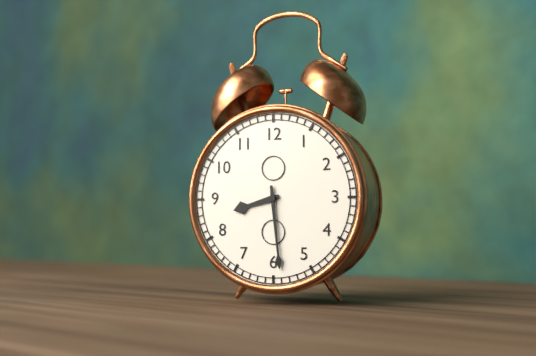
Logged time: 8,29
